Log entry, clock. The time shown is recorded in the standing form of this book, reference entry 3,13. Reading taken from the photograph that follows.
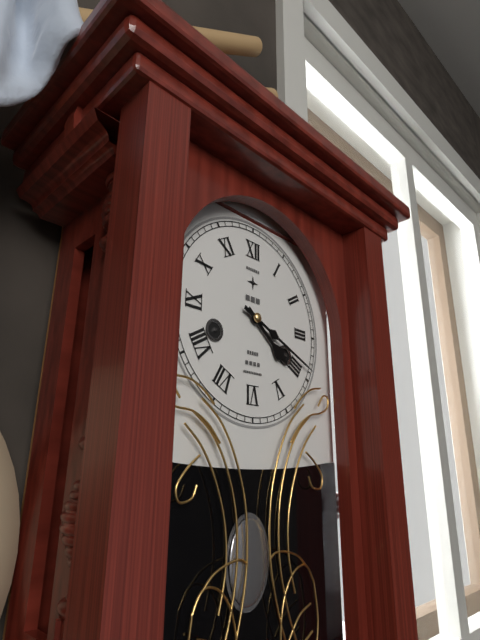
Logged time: 4,19
